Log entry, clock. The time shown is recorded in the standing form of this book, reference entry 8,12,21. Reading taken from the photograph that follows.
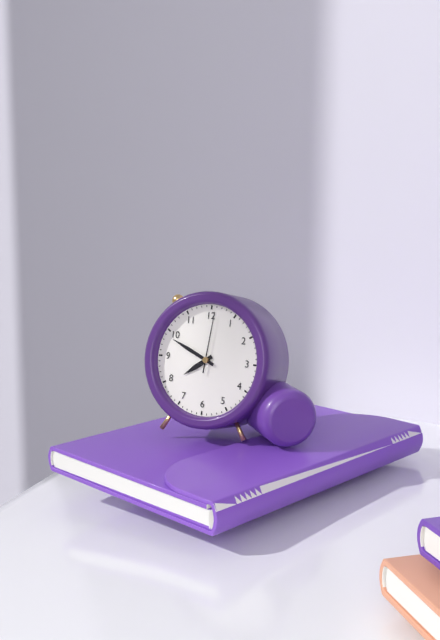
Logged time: 7,49,01
